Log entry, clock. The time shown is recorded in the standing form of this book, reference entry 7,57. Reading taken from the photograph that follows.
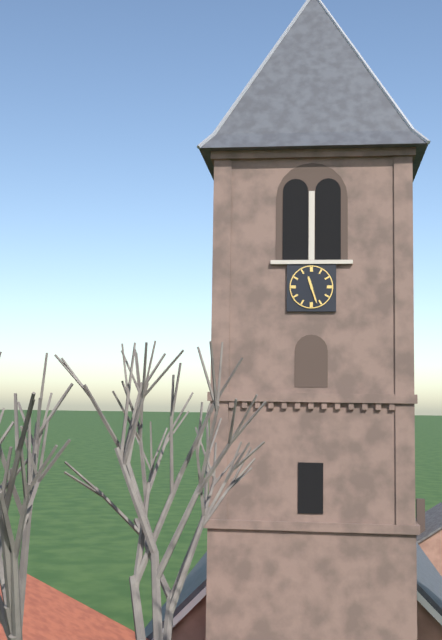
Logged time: 11,27
